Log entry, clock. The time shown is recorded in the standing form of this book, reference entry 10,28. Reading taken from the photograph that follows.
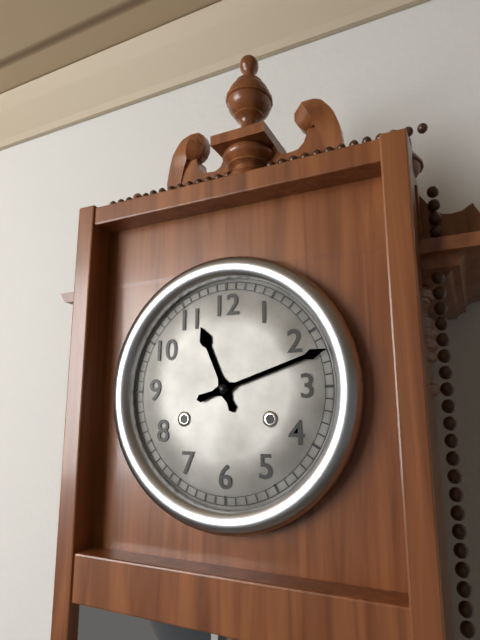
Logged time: 11,12
